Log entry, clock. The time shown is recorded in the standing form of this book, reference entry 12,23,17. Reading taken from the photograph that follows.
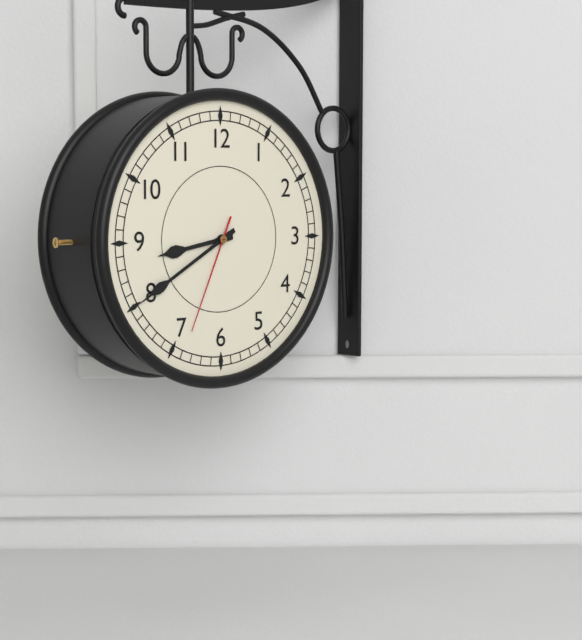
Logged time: 8,40,34
